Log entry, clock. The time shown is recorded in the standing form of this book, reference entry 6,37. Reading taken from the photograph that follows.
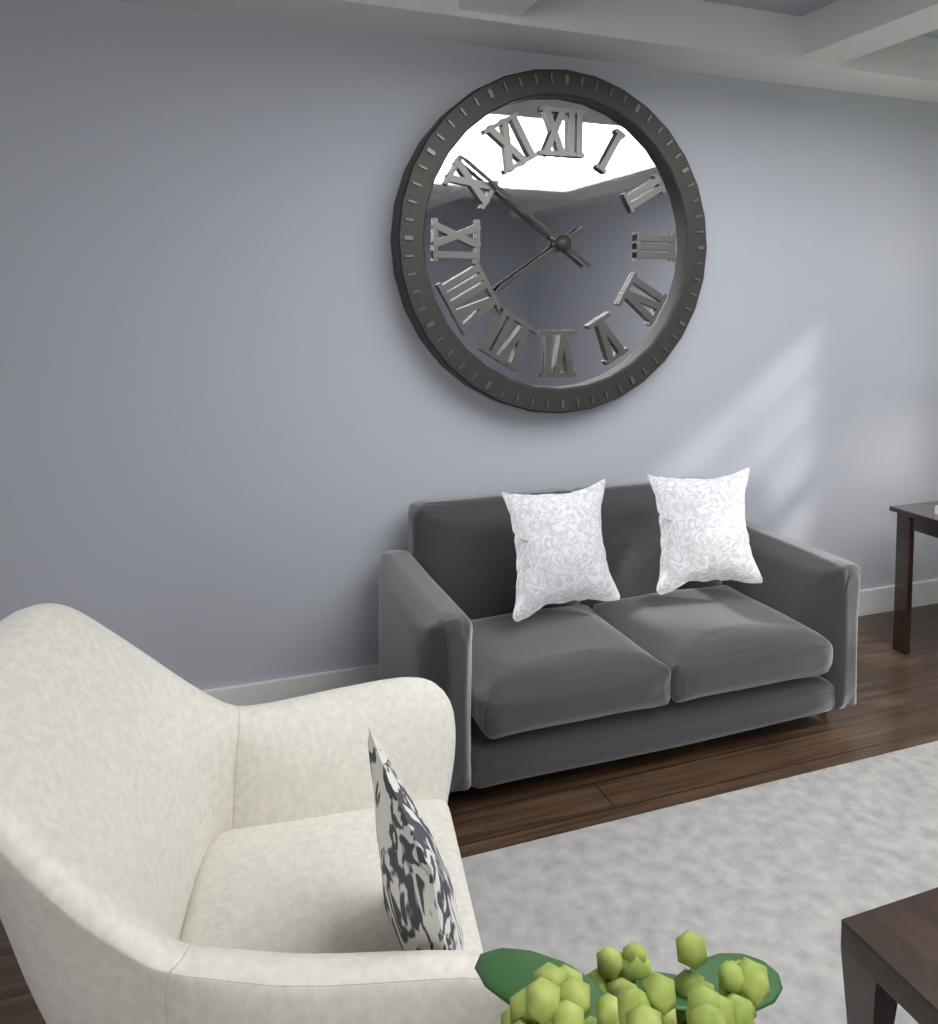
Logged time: 7,51
